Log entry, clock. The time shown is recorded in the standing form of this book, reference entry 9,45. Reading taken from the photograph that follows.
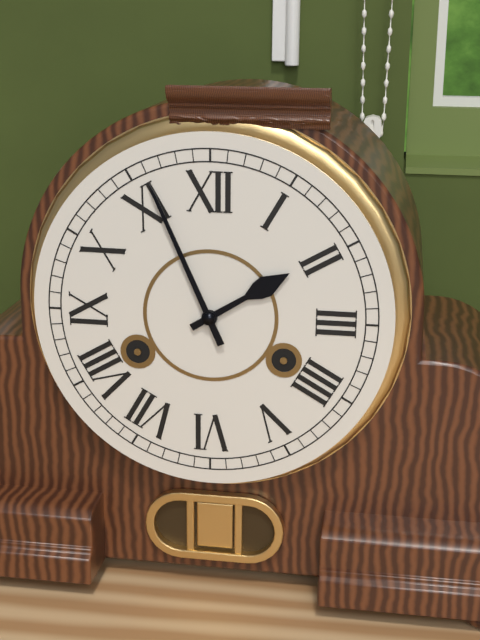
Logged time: 1,56
